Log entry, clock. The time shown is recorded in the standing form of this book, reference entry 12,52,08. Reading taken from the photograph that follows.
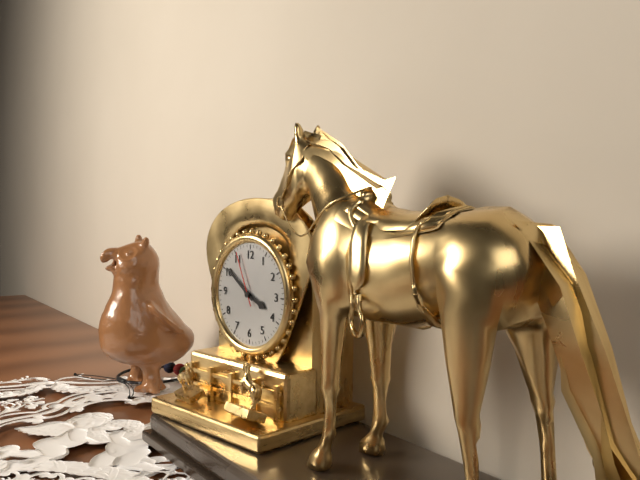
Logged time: 3,51,56
